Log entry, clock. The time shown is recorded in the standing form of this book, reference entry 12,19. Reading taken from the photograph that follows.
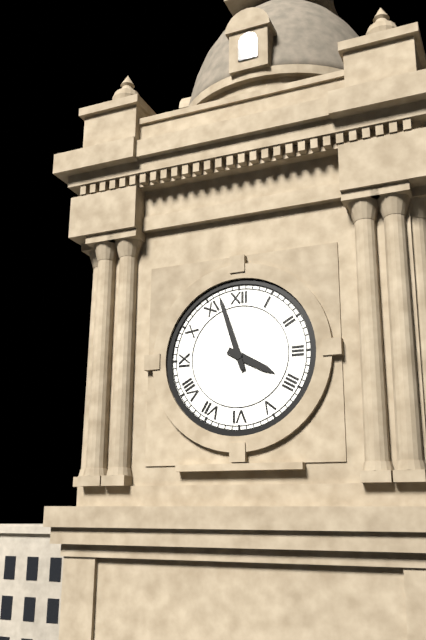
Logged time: 3,57
